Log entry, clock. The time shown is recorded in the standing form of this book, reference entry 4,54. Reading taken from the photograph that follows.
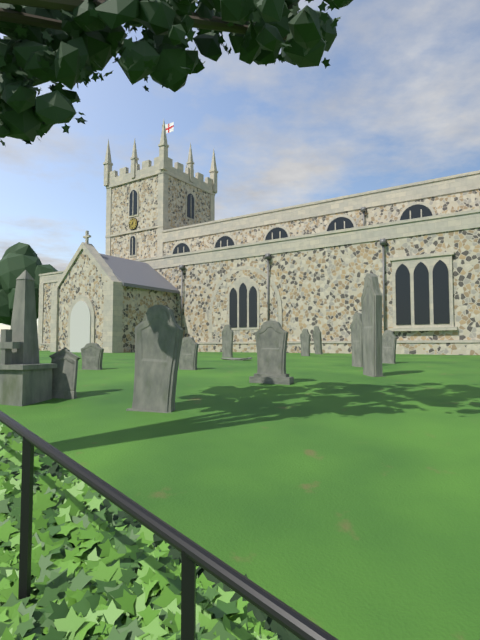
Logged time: 12,40
